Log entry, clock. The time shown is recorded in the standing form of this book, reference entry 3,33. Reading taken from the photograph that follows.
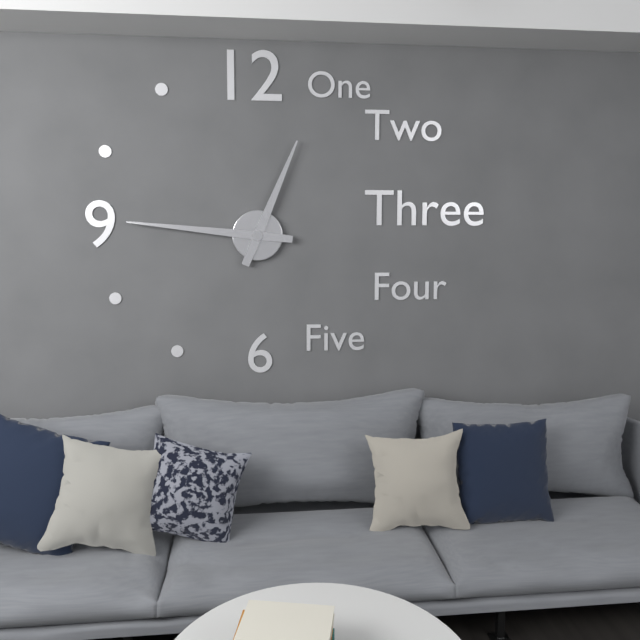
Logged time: 12,46
